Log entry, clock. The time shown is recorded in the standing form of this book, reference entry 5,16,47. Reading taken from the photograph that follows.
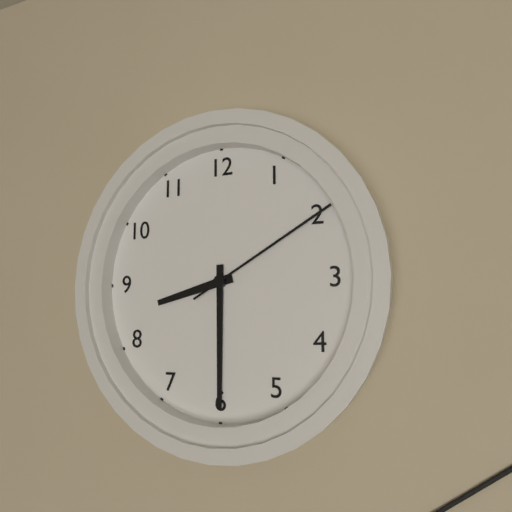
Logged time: 8,30,10
